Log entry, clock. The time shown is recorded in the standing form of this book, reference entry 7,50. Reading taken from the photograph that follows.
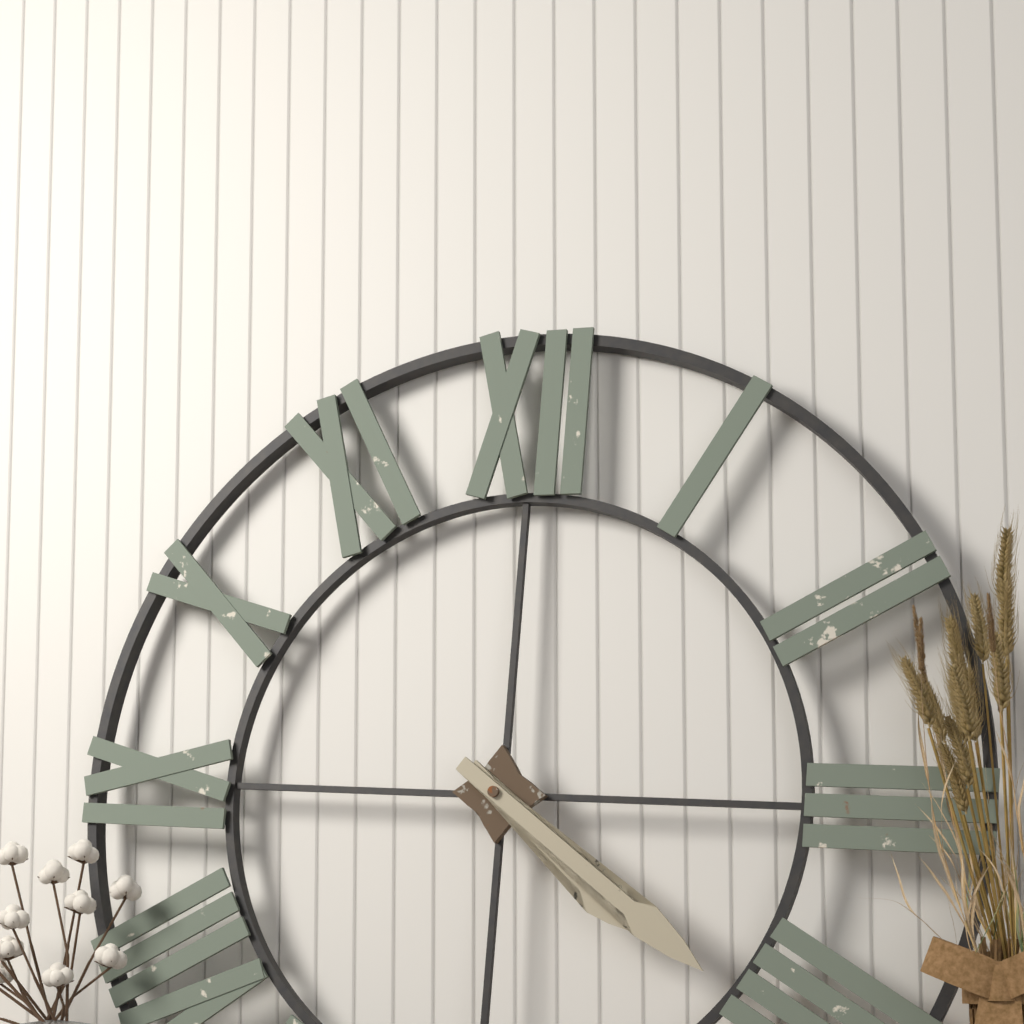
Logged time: 4,21
